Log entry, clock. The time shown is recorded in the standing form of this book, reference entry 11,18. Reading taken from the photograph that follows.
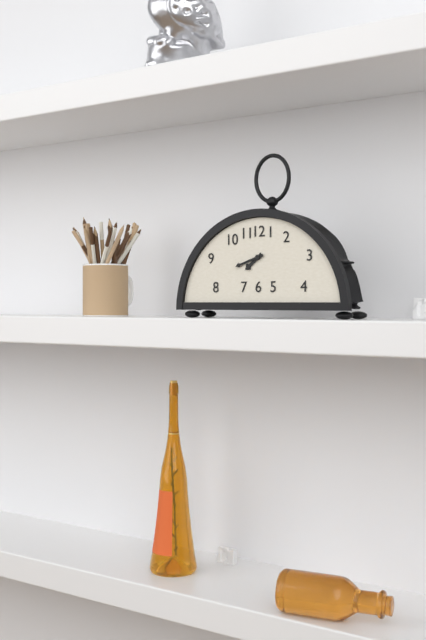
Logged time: 7,42
